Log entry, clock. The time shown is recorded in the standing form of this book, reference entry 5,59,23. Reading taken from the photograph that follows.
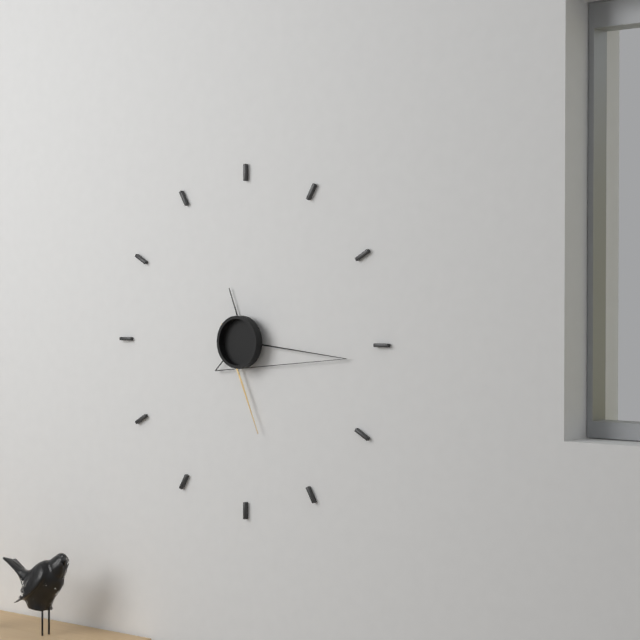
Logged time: 11,16,28
